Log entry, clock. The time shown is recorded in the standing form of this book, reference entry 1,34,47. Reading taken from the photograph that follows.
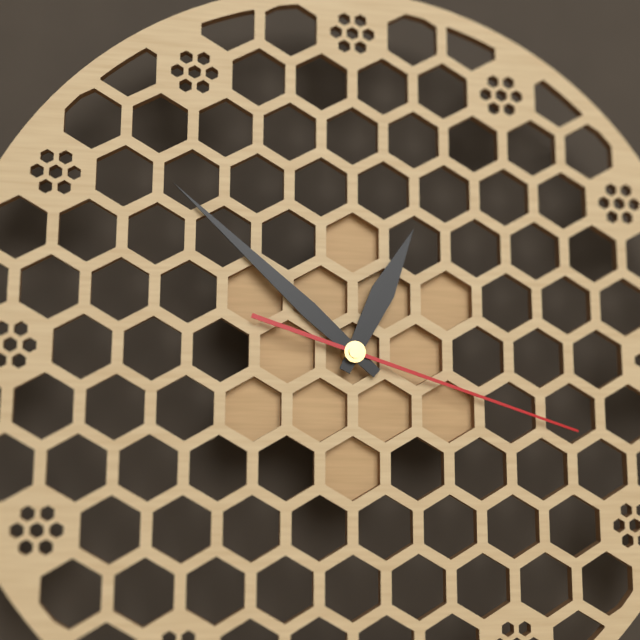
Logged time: 12,52,18
